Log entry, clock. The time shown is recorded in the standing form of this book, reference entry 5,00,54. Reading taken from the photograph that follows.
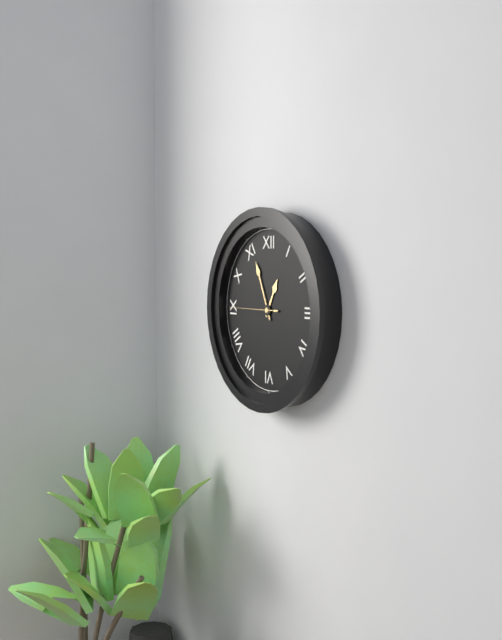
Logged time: 12,56,45
